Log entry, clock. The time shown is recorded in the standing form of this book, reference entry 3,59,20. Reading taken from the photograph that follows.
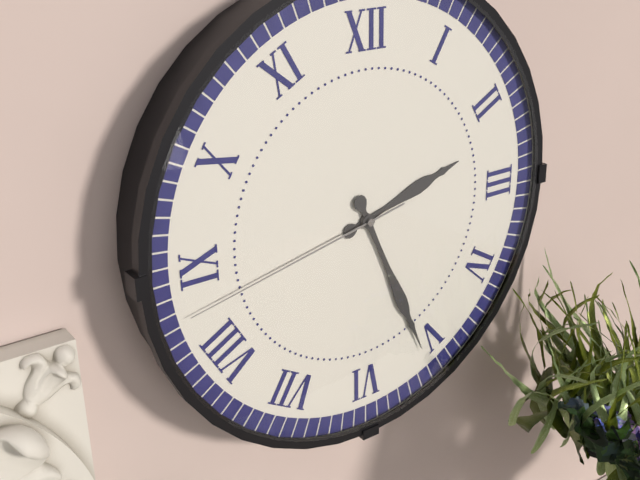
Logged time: 2,26,43
